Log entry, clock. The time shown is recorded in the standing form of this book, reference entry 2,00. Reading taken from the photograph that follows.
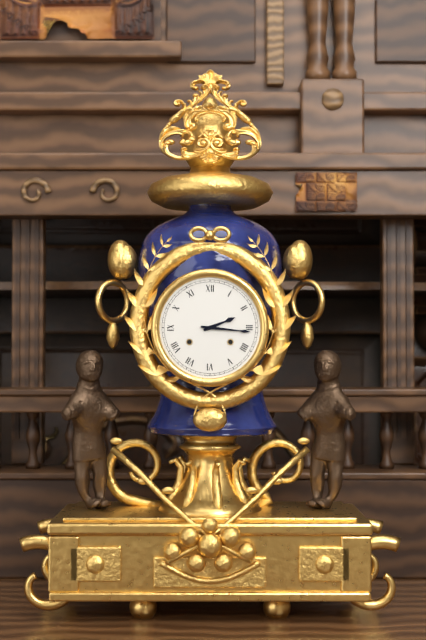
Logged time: 2,16
